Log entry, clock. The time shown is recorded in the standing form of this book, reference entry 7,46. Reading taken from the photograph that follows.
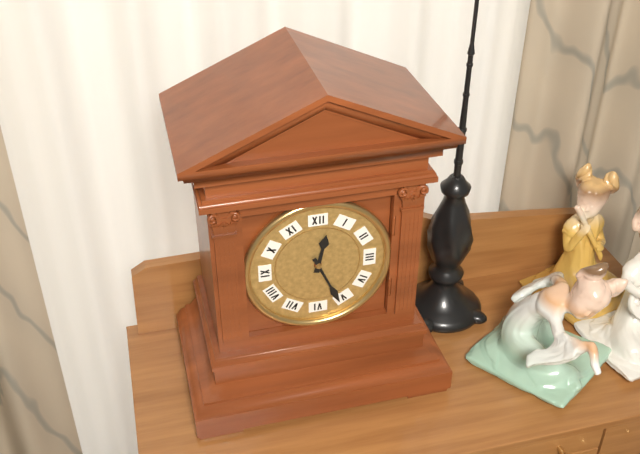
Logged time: 12,26
